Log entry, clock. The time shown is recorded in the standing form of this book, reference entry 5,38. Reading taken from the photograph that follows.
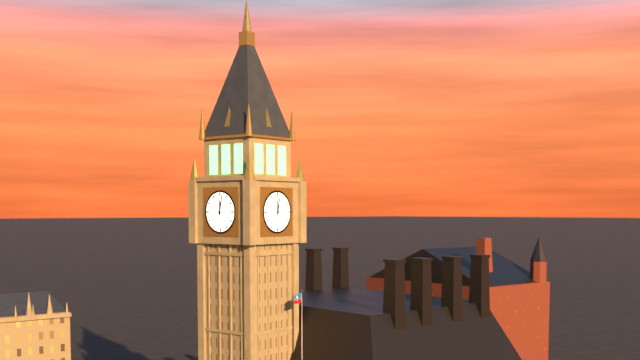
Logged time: 12,02
